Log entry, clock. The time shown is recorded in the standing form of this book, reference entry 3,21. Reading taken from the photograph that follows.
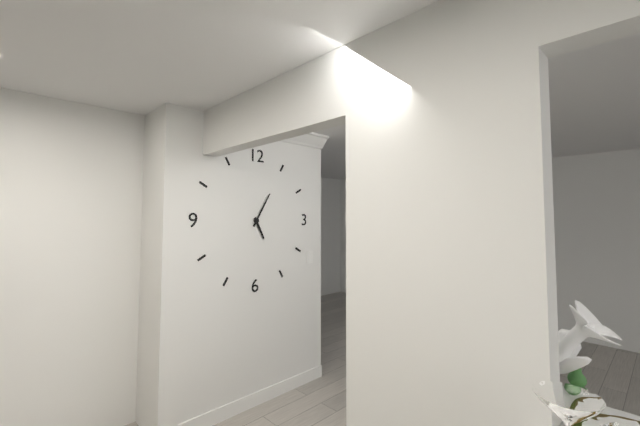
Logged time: 5,05
